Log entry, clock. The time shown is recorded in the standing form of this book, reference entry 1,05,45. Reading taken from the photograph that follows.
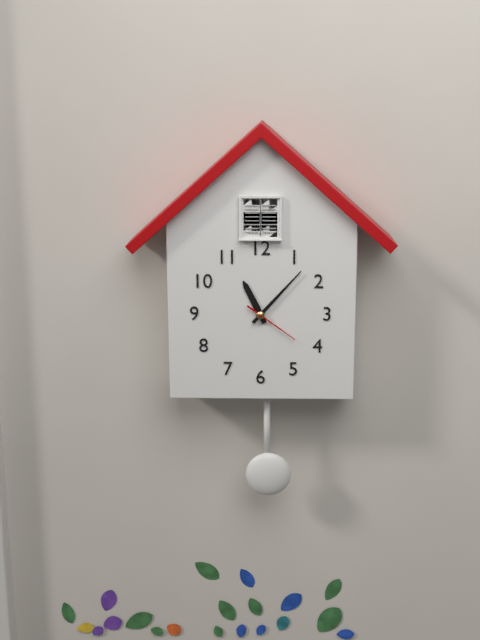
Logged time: 11,07,21
